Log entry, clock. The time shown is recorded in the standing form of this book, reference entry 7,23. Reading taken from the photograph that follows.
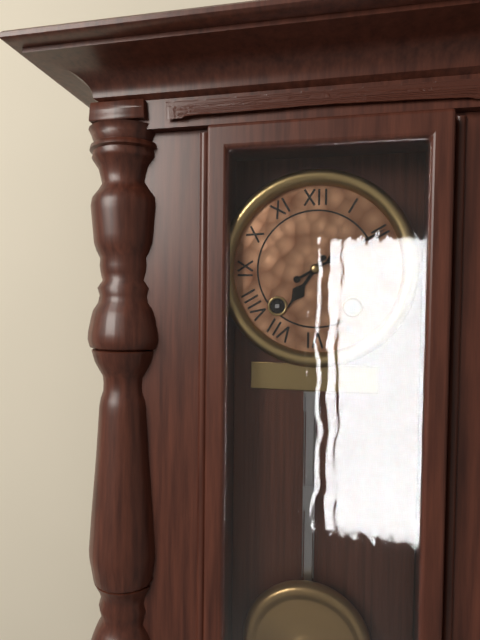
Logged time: 7,10
